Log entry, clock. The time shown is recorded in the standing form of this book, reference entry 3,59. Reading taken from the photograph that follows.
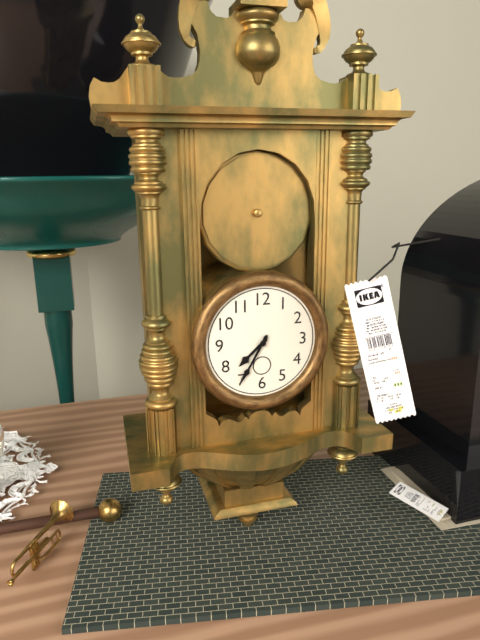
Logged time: 7,35
